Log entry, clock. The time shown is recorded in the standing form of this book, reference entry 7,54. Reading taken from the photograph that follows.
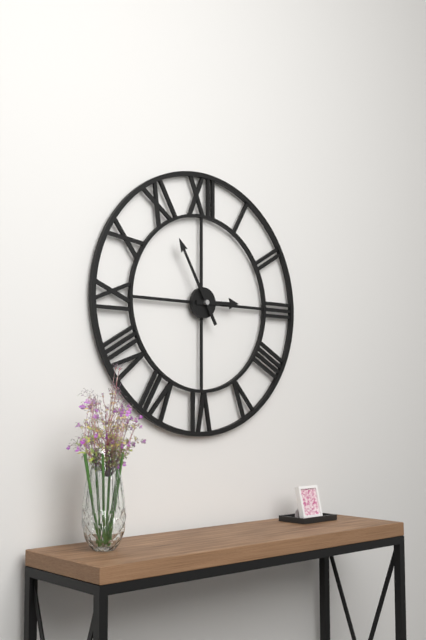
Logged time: 2,55
